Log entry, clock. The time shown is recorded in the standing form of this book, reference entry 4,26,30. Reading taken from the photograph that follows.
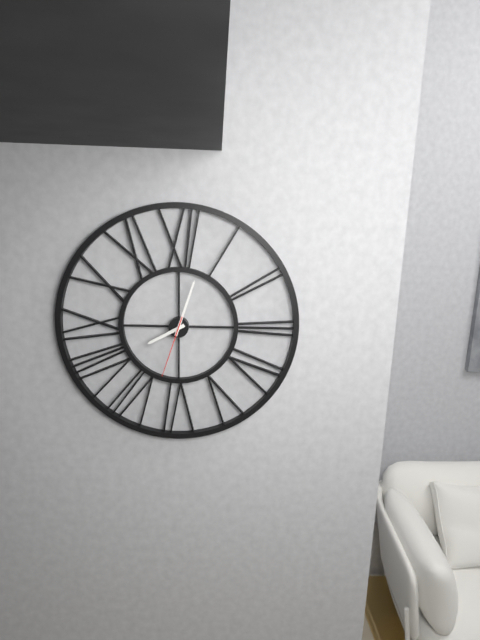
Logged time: 8,03,33
